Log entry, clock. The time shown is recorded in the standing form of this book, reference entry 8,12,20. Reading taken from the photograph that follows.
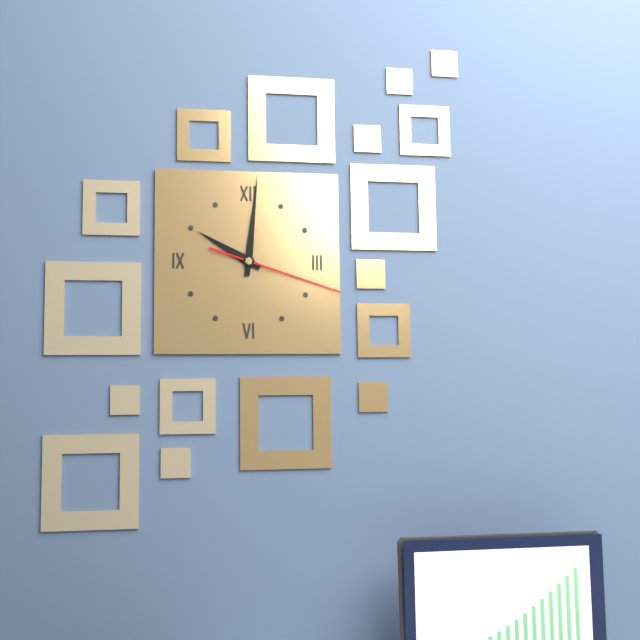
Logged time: 10,01,18
